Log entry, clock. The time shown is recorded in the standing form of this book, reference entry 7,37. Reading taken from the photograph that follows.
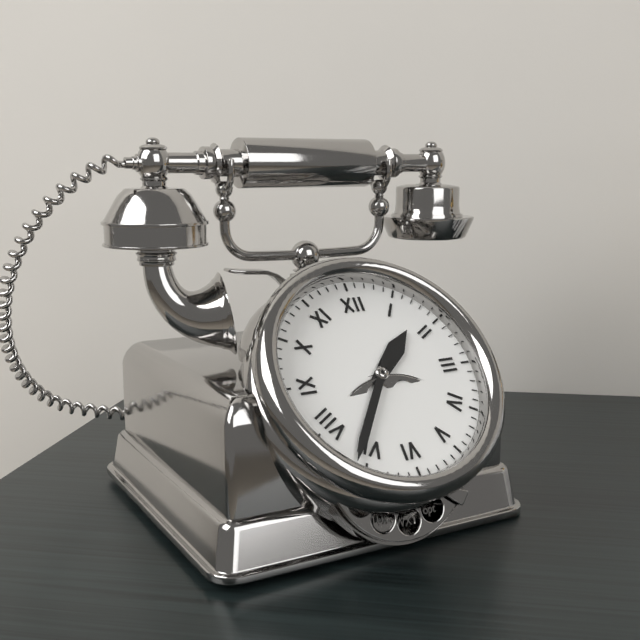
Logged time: 1,36
